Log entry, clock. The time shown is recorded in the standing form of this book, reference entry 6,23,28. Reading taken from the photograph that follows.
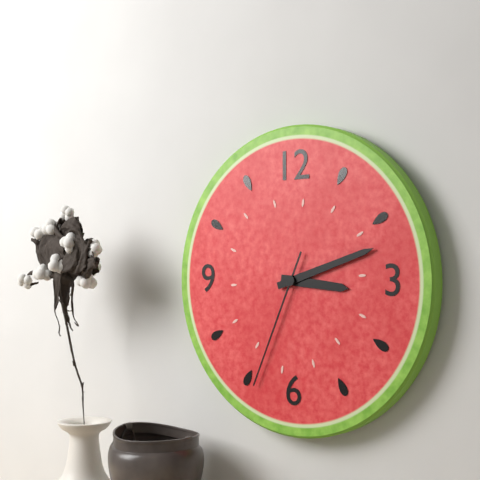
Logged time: 3,12,34
